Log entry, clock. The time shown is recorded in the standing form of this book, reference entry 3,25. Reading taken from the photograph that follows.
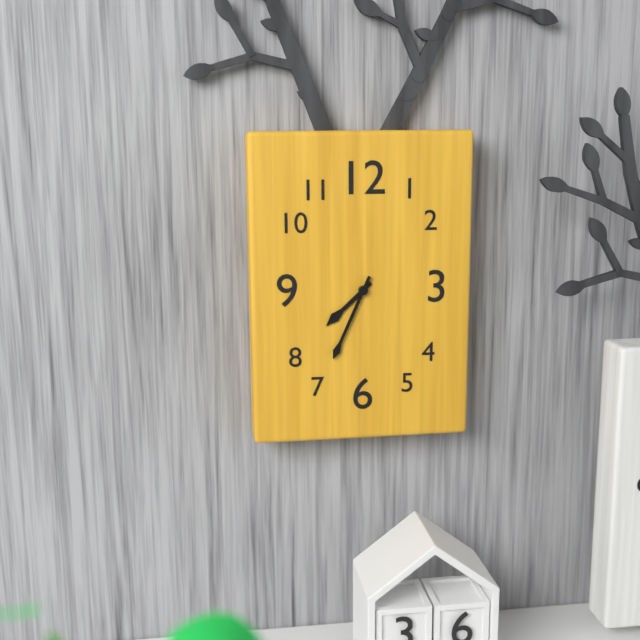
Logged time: 7,34
